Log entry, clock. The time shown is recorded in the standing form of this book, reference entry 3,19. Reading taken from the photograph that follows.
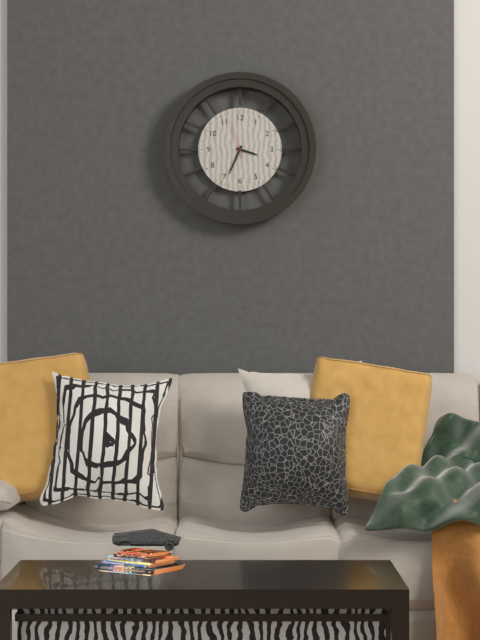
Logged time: 3,34
